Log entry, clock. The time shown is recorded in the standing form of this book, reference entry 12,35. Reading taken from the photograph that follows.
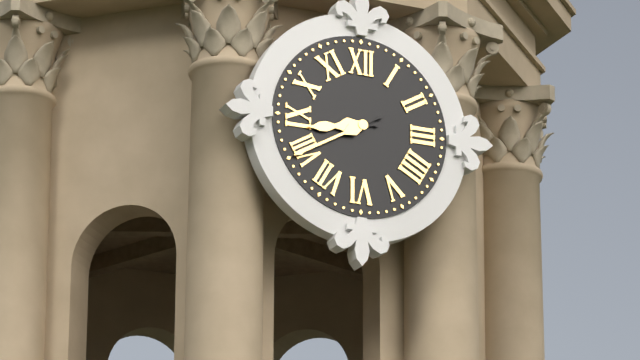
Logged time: 8,40
